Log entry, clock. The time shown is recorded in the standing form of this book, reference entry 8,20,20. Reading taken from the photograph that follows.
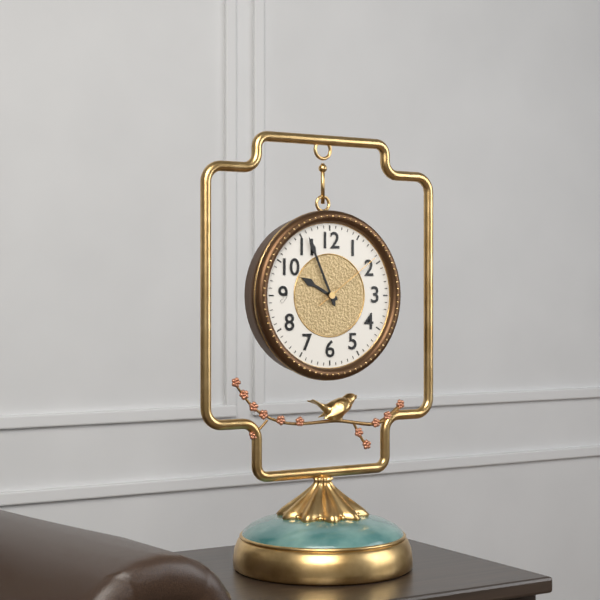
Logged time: 9,56,09
